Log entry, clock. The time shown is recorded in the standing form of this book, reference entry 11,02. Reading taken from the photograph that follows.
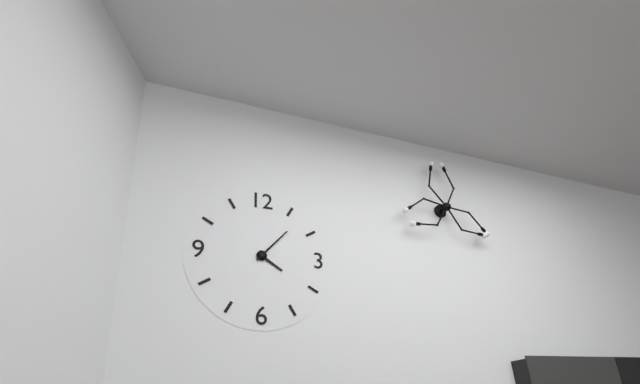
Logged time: 4,07
